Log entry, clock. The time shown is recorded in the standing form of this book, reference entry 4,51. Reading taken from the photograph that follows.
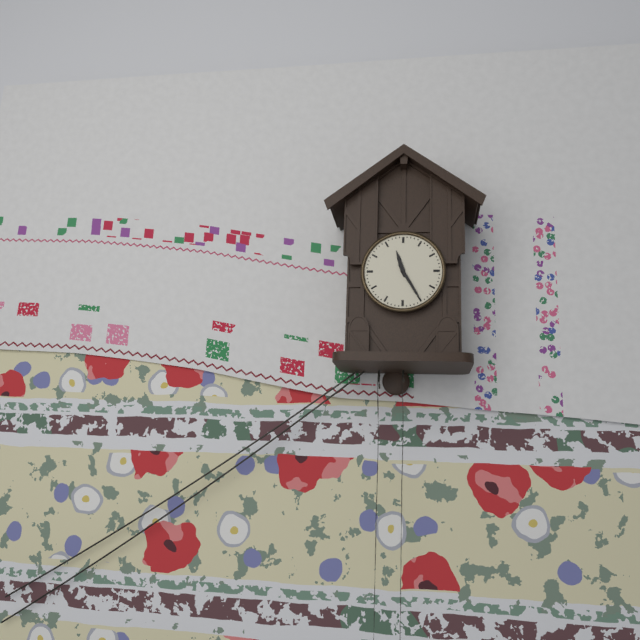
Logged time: 11,25
